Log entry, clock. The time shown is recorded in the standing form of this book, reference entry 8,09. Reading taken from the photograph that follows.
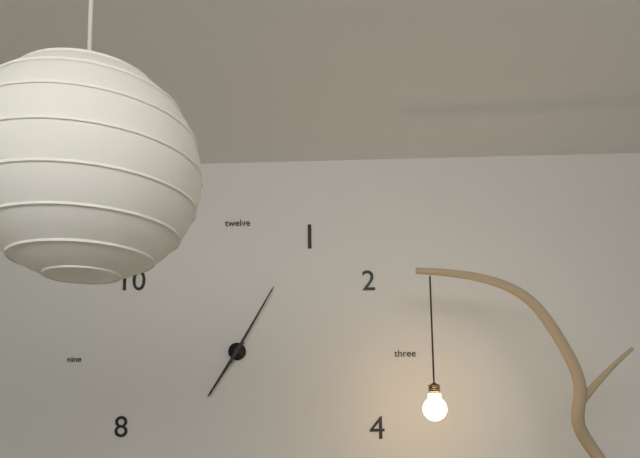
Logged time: 7,05
